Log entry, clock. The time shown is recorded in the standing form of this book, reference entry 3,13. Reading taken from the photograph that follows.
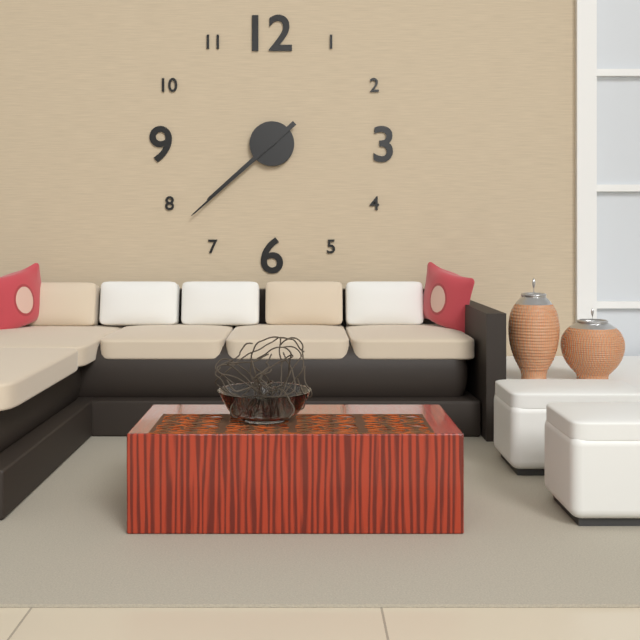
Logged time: 7,38
